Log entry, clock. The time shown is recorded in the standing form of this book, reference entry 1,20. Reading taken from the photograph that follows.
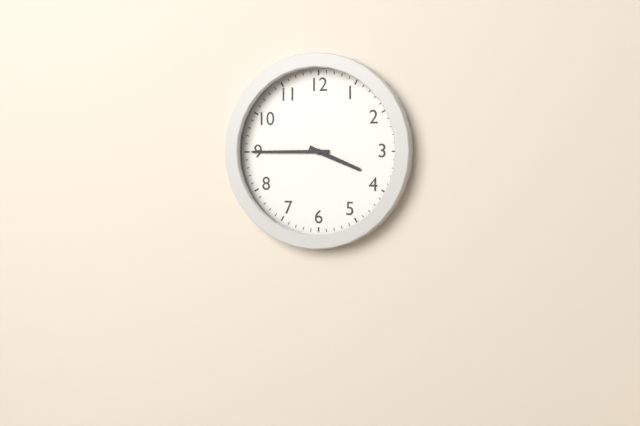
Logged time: 3,45
